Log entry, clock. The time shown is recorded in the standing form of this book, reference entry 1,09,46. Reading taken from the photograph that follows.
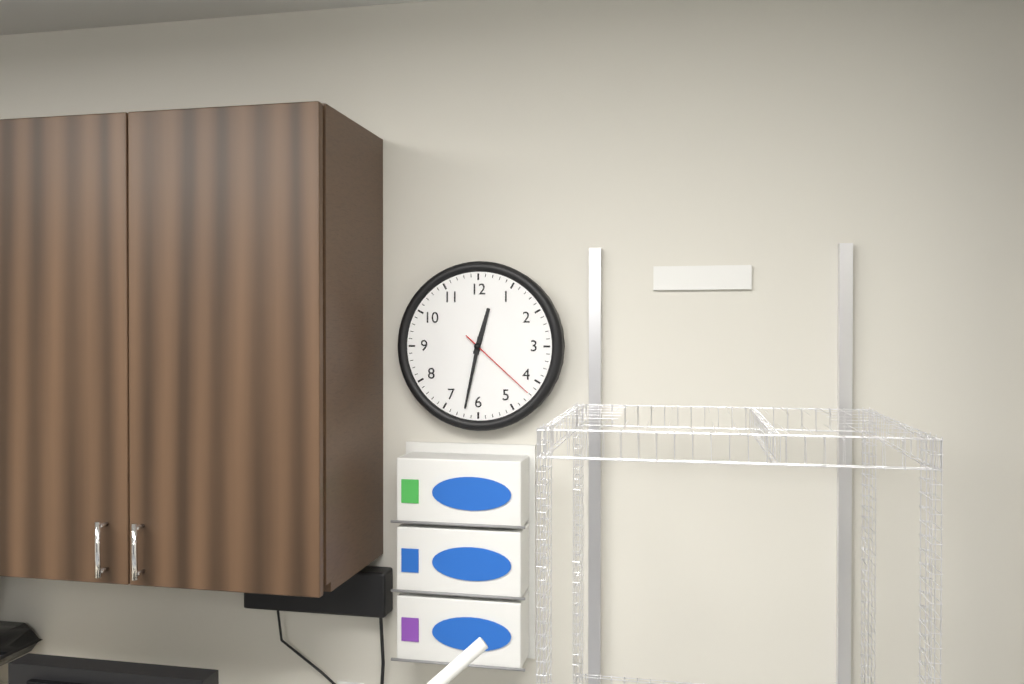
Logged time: 12,32,22
